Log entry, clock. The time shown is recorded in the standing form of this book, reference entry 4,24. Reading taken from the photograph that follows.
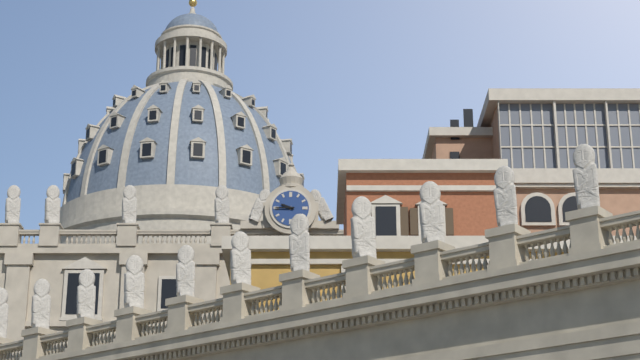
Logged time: 9,45
